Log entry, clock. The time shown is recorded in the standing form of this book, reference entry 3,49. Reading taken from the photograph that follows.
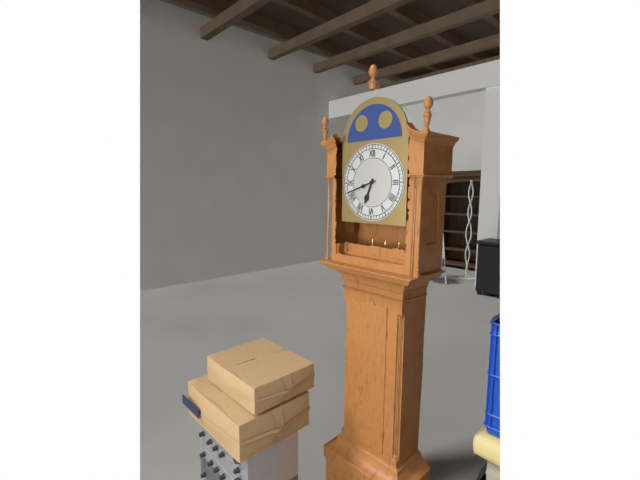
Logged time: 6,42
